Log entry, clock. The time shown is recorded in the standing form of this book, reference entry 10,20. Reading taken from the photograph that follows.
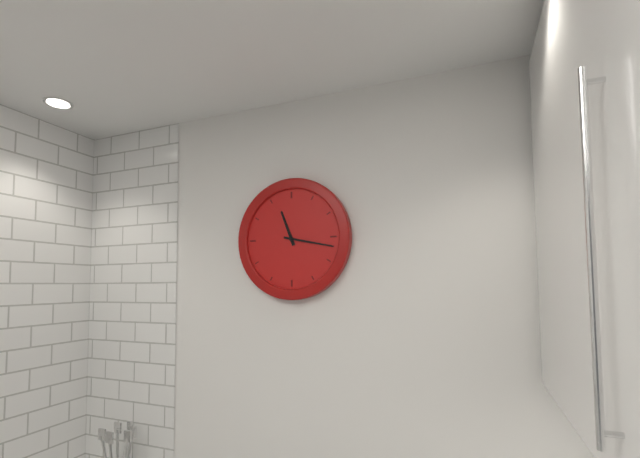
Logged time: 11,17
